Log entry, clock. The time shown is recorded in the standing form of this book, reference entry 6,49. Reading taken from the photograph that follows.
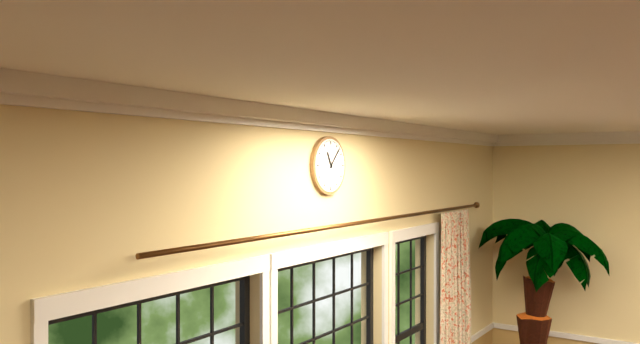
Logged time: 11,07
